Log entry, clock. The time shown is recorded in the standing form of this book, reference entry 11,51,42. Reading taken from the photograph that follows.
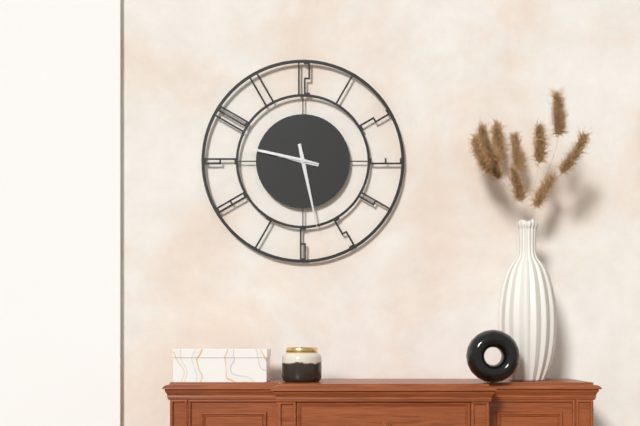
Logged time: 9,28,47
